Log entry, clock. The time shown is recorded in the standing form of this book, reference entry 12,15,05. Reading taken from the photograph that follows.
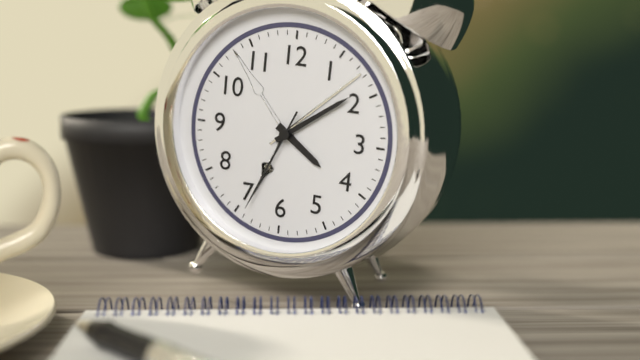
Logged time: 4,09,34
